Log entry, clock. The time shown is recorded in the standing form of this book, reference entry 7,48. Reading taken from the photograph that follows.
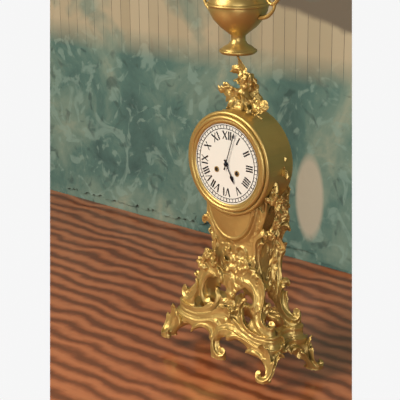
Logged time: 5,03
